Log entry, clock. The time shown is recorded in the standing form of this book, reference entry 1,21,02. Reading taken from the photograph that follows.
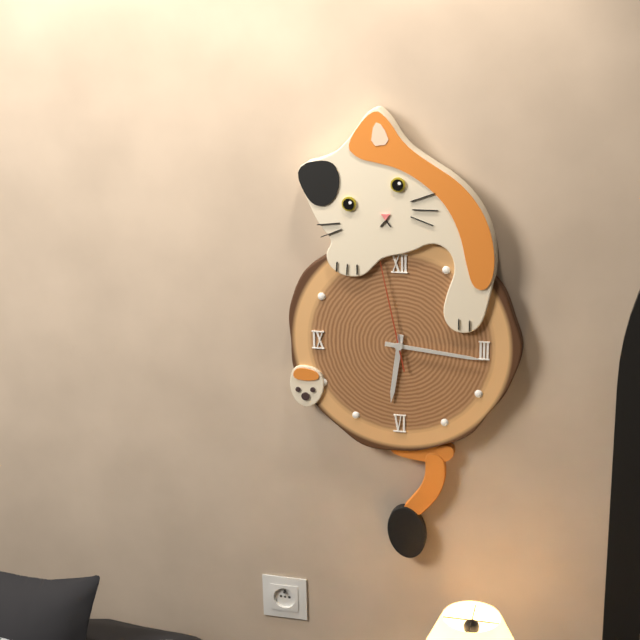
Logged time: 6,16,58
